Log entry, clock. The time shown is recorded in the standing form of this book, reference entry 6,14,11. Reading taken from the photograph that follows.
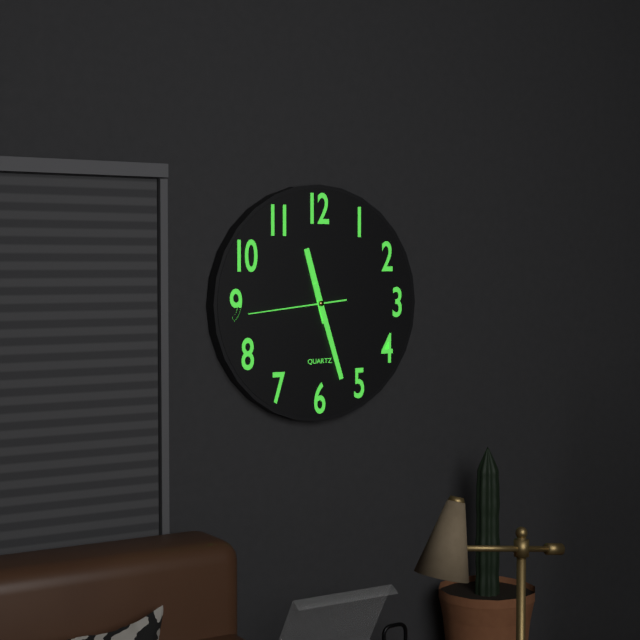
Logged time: 11,27,44
